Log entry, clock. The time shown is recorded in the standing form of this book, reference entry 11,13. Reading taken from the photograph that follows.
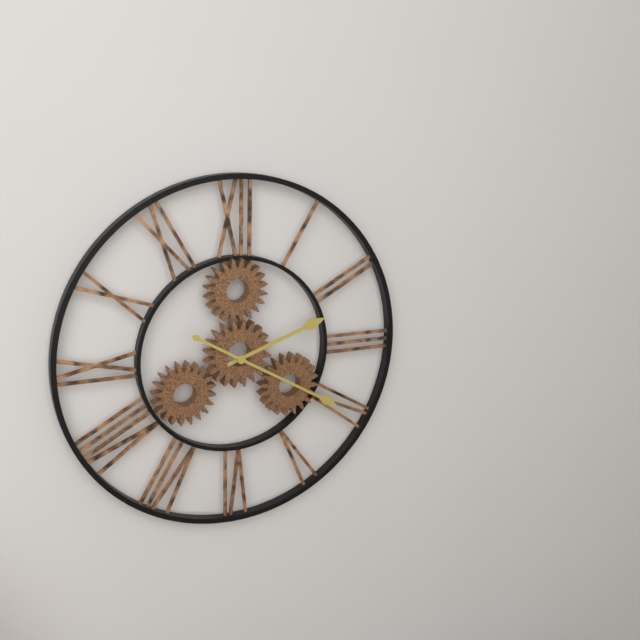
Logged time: 2,20
